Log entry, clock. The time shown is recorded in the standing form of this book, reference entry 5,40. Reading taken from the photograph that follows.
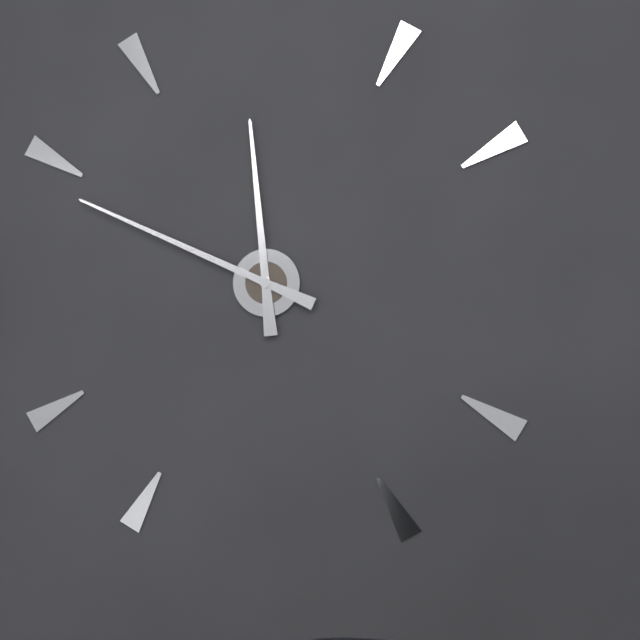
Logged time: 11,49
